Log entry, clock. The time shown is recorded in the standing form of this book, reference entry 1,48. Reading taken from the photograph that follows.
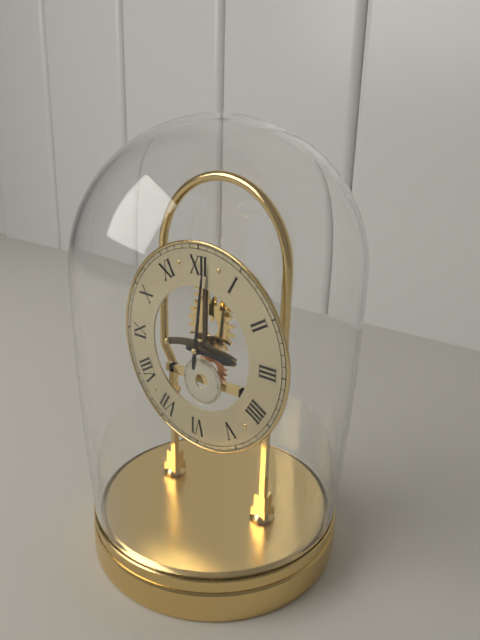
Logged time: 3,01
